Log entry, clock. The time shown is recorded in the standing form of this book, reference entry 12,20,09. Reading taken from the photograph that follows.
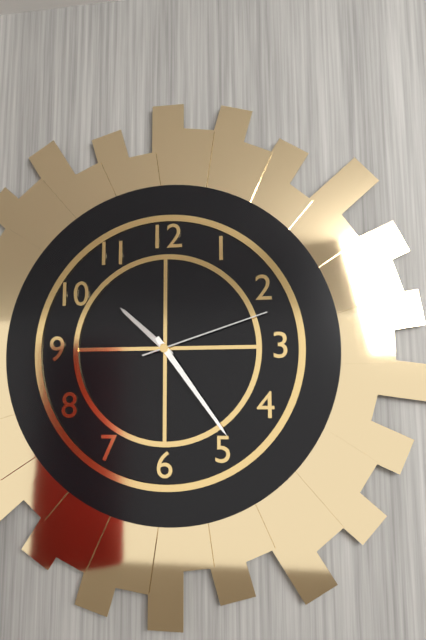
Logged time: 10,24,12
